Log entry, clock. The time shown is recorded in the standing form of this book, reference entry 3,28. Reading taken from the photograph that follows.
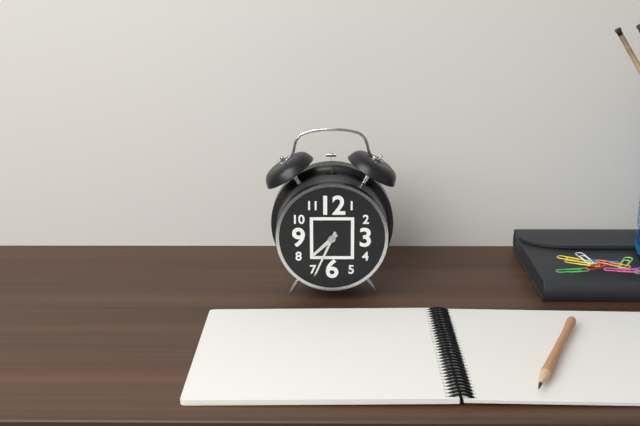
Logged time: 7,34
